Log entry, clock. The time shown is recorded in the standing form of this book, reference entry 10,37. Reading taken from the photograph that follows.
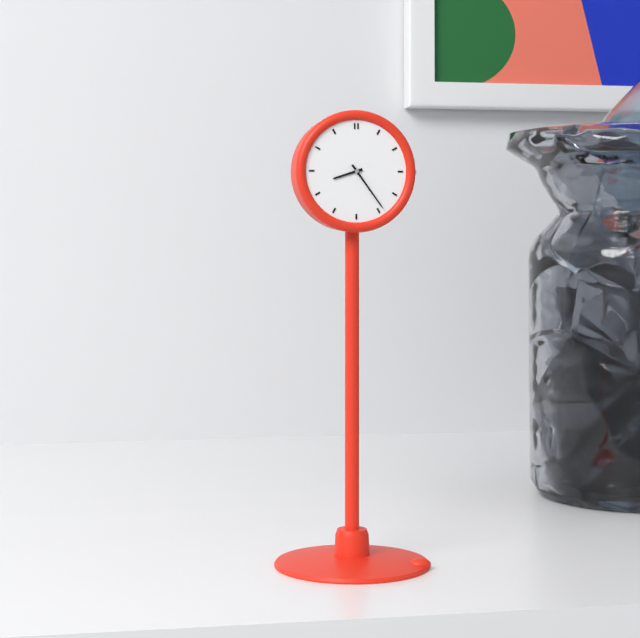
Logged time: 8,24
